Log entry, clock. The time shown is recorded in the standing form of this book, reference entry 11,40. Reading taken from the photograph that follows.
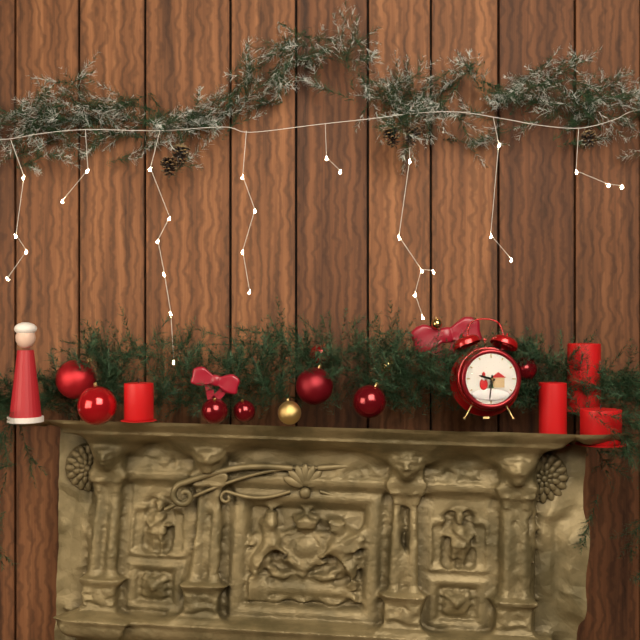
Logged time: 9,31
